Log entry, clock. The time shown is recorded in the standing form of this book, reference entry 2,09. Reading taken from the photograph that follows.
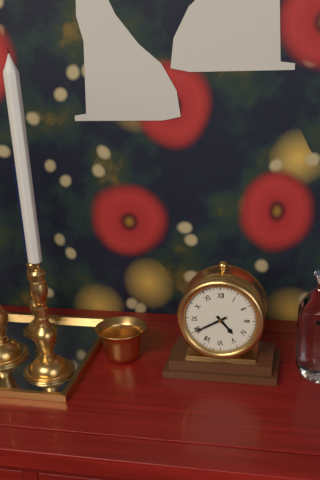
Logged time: 4,40
